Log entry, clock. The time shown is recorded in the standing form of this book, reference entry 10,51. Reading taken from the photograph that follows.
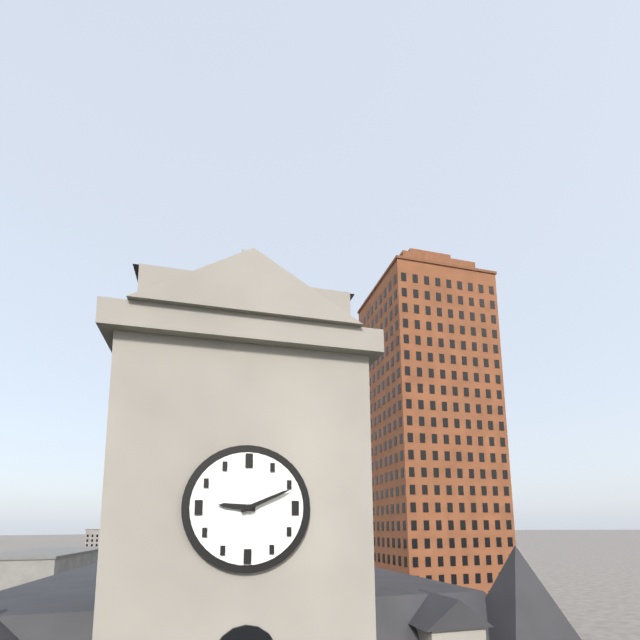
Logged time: 9,11
